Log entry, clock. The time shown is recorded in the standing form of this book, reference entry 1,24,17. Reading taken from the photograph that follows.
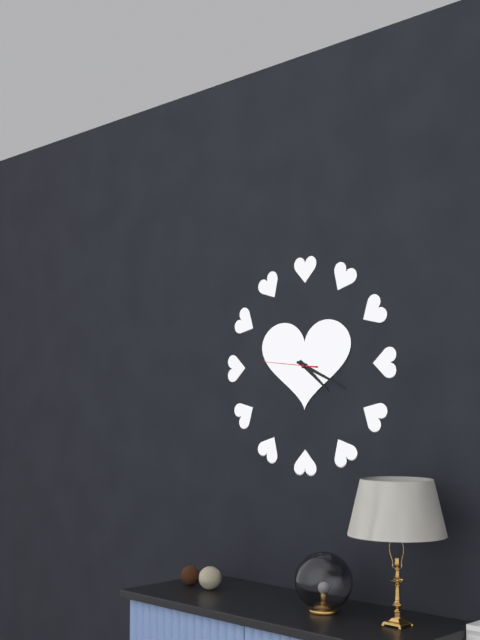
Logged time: 4,19,46
